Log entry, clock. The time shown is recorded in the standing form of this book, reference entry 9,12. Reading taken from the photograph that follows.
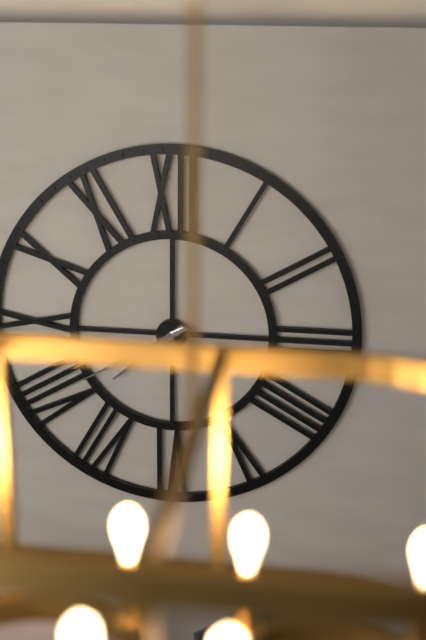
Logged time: 7,40
